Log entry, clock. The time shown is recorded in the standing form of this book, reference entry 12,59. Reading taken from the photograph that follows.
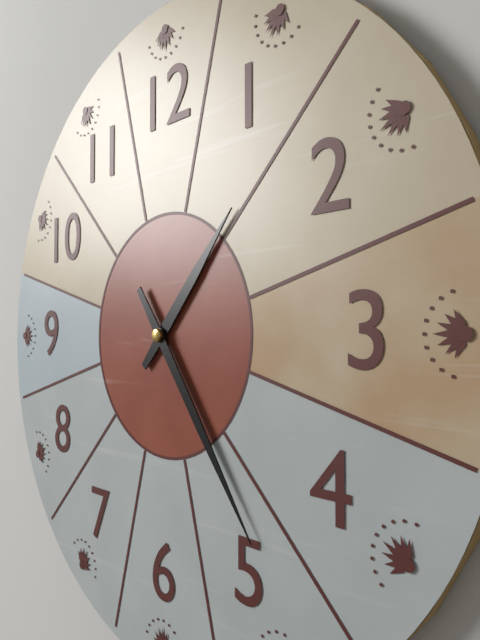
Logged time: 1,24
